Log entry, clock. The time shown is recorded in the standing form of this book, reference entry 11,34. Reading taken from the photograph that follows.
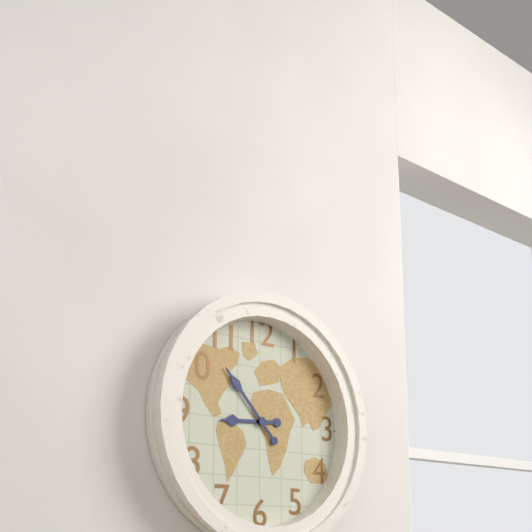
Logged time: 8,53
